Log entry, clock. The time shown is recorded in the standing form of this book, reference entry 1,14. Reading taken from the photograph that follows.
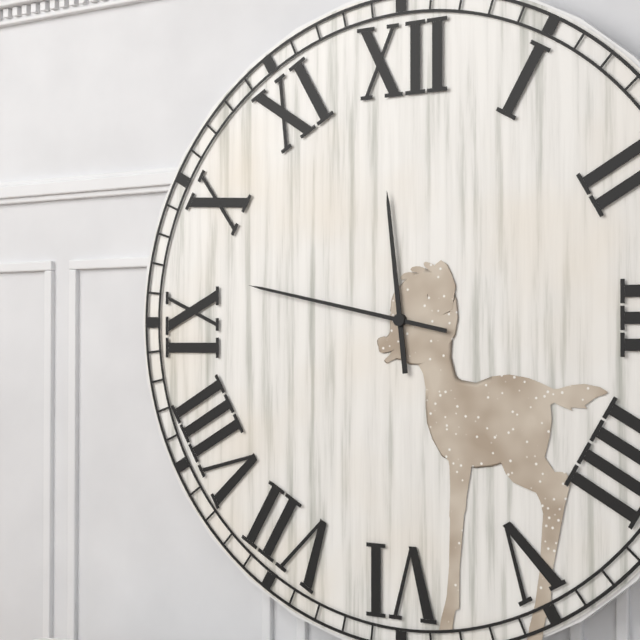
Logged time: 11,47
